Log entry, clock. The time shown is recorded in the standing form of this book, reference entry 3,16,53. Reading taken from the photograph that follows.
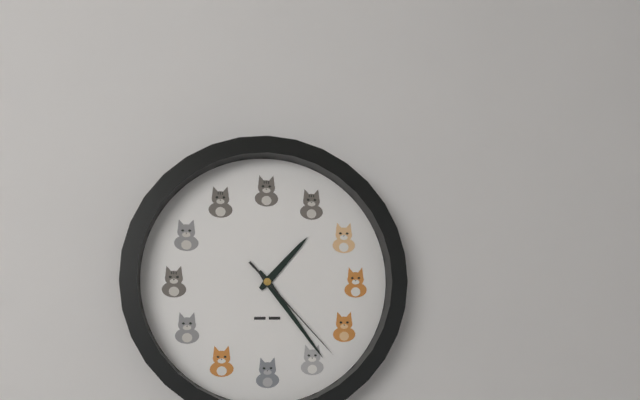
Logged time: 1,24,23
